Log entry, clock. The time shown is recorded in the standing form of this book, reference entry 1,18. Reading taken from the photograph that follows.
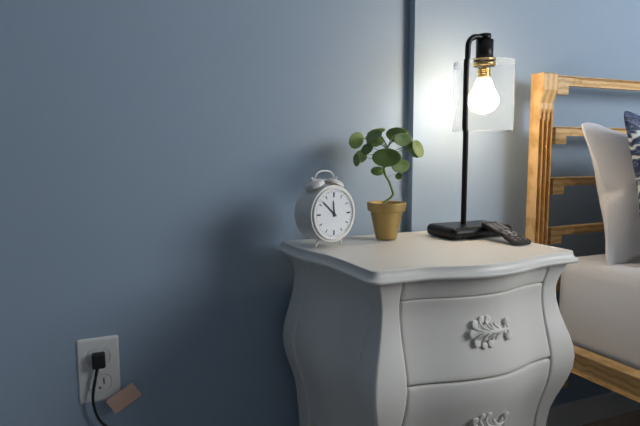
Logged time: 11,52
